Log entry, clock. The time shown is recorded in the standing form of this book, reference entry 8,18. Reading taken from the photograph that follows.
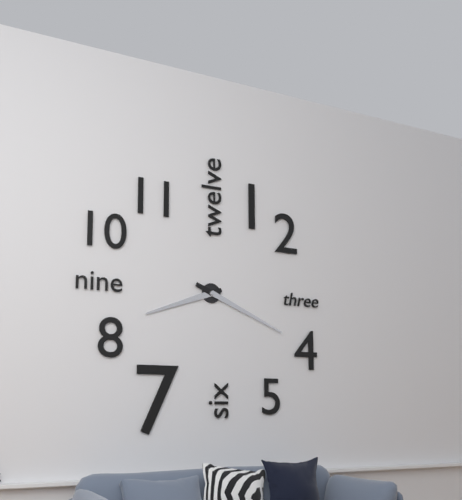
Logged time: 8,19
